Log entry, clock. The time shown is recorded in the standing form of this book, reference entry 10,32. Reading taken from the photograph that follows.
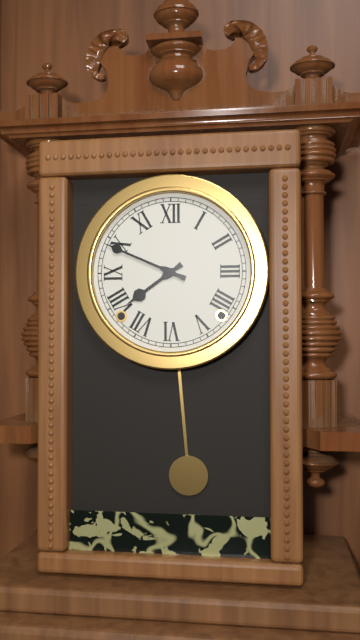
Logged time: 7,49
